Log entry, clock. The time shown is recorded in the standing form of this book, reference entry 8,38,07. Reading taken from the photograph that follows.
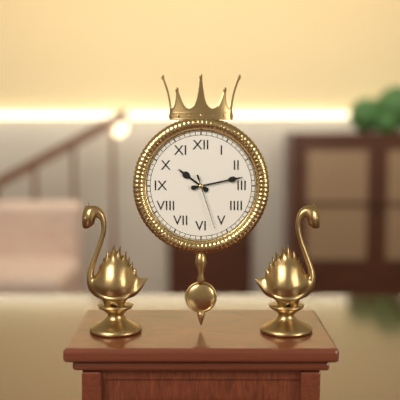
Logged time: 10,13,27
